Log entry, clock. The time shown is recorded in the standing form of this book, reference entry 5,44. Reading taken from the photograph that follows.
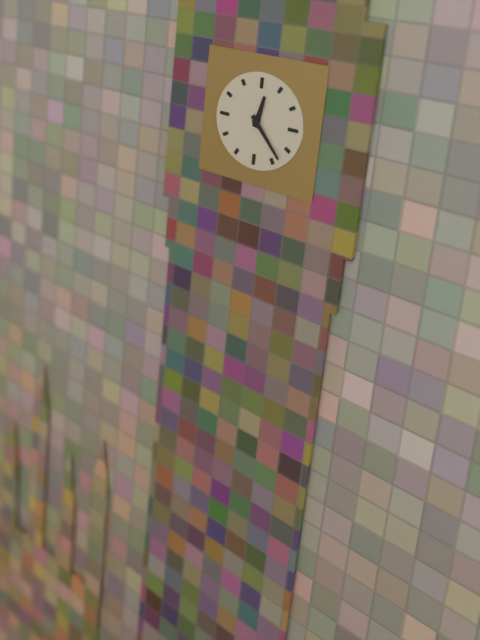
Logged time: 12,23
